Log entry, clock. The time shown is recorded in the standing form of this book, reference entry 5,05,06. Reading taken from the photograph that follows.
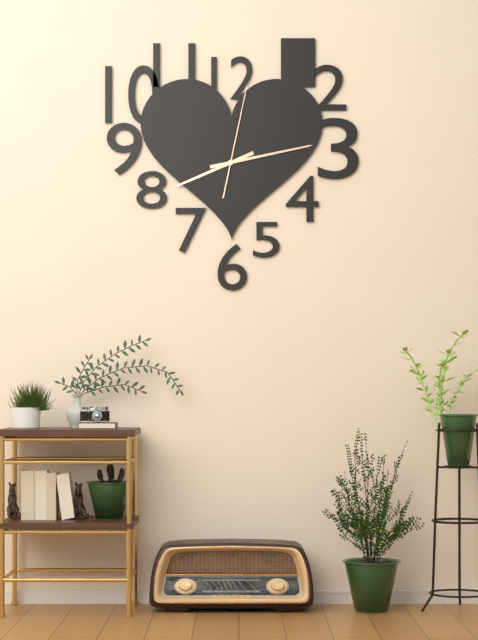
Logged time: 8,13,02
